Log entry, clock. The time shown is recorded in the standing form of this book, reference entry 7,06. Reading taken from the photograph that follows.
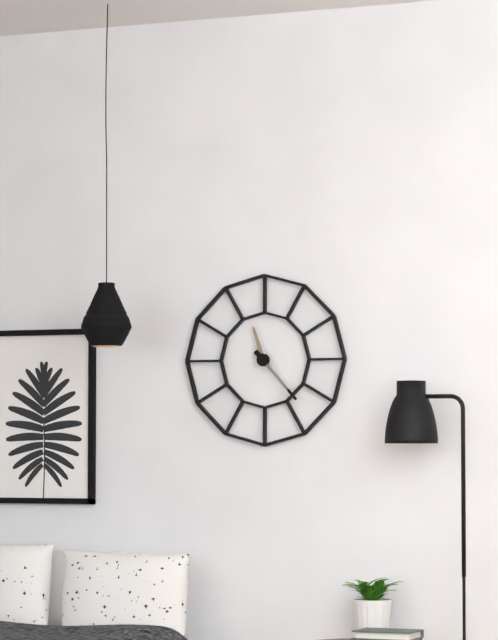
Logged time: 11,23
